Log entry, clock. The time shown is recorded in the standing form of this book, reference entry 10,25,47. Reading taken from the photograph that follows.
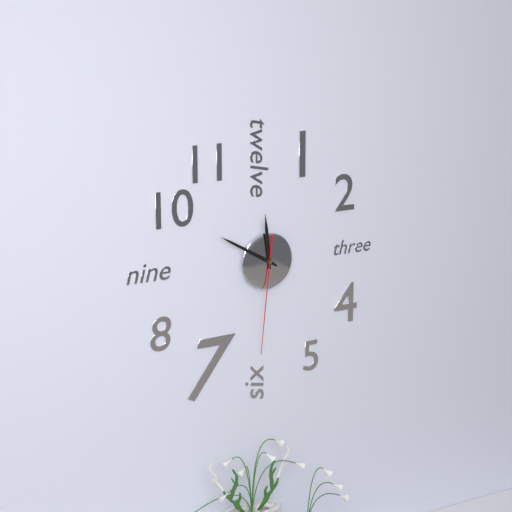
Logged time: 11,50,31
